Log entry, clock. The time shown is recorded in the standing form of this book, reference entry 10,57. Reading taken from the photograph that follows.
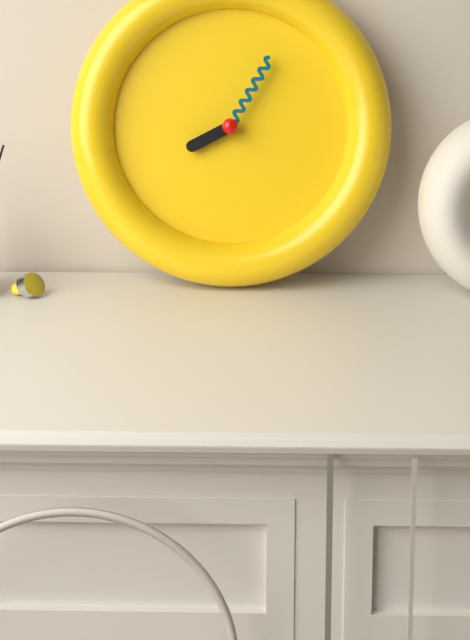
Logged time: 8,05
